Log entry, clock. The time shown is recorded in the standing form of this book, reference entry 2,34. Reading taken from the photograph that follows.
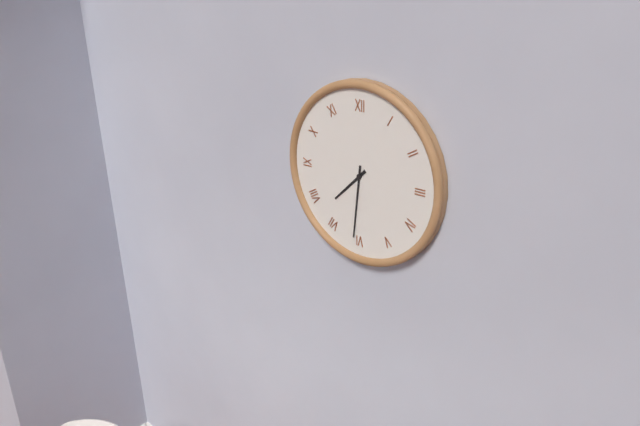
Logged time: 7,31
